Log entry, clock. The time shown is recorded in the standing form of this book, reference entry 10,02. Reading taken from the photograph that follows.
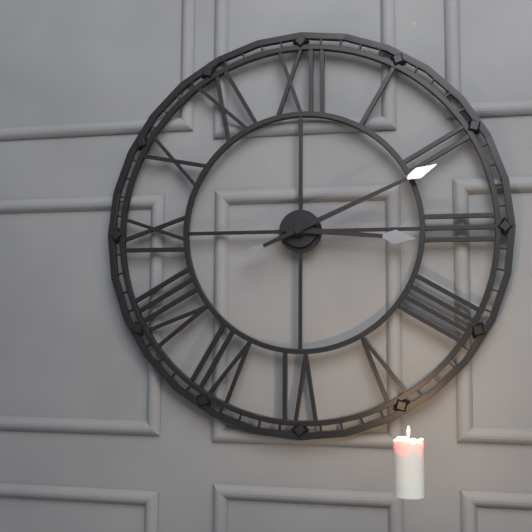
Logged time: 3,11
